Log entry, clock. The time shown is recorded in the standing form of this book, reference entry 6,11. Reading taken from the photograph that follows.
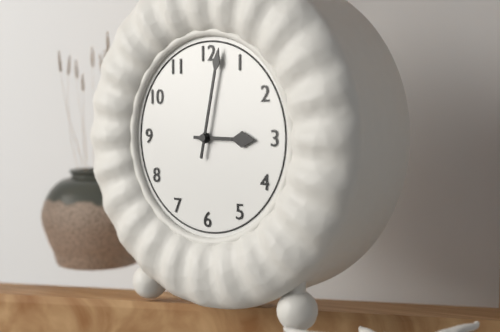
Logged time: 3,02
